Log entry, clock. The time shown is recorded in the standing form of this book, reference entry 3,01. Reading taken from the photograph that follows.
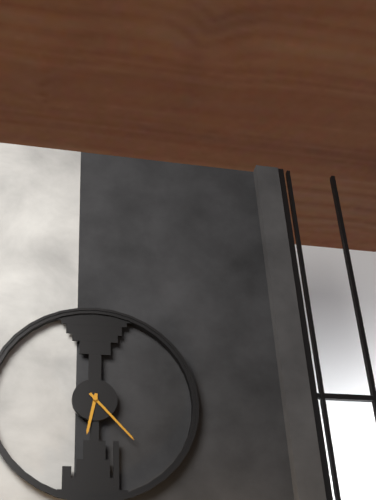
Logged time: 6,23
